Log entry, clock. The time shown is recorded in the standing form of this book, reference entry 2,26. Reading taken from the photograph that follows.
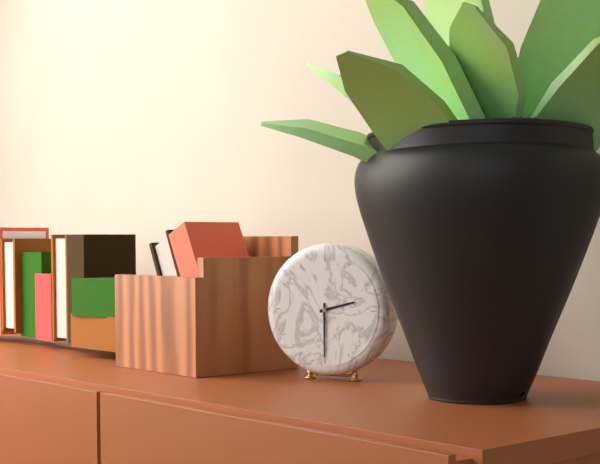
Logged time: 2,30
